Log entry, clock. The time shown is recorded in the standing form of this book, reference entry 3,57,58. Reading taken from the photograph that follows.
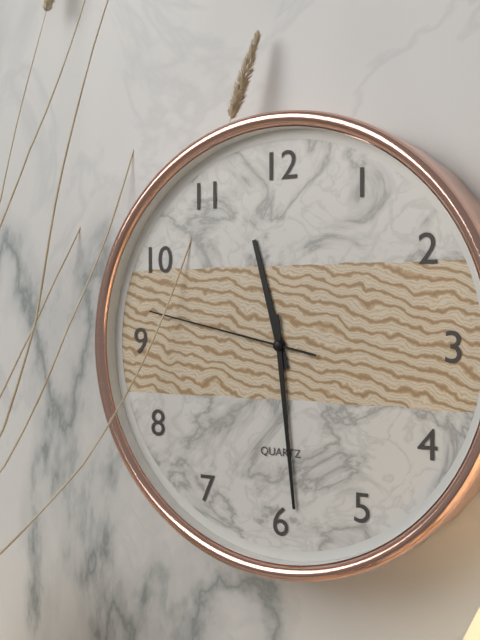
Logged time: 11,29,47
